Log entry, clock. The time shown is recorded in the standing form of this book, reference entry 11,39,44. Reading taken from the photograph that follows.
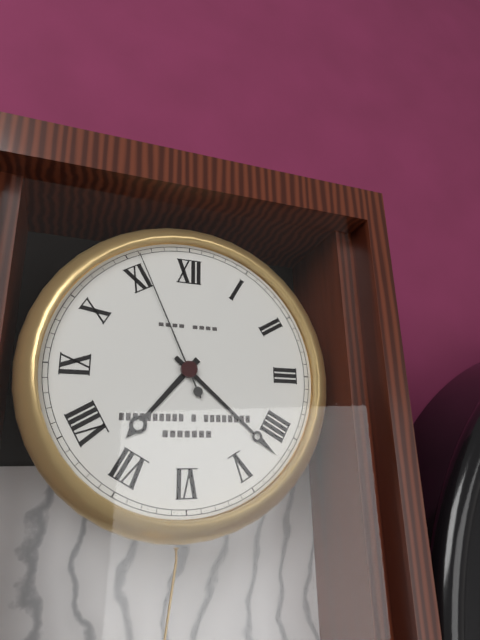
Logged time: 7,22,56
